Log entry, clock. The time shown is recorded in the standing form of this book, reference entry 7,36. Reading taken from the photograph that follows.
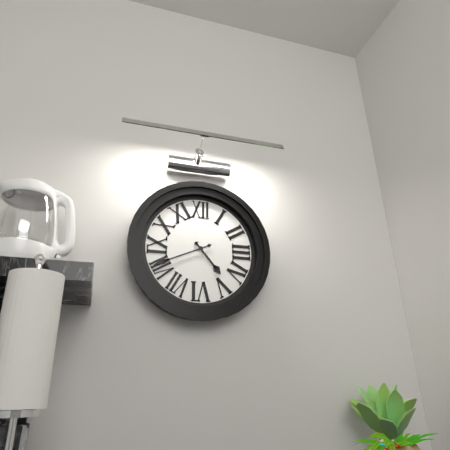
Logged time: 4,41
